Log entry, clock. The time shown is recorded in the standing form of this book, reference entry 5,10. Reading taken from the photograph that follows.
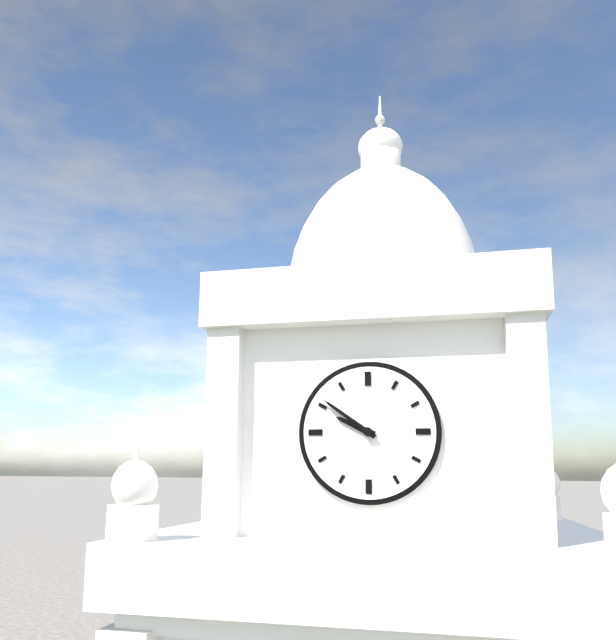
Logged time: 9,51
